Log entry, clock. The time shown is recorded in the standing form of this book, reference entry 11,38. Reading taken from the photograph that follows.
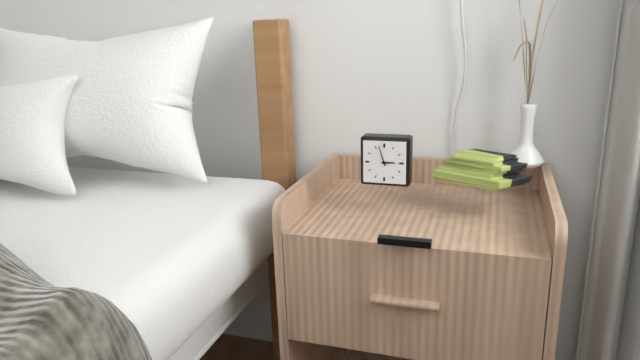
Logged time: 2,57
